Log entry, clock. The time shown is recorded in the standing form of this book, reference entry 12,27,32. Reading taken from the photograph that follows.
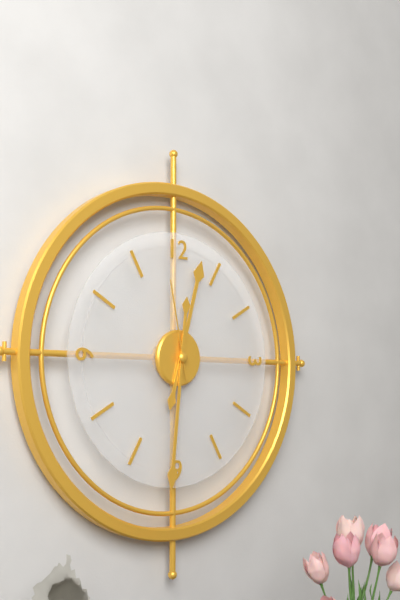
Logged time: 12,31,58
